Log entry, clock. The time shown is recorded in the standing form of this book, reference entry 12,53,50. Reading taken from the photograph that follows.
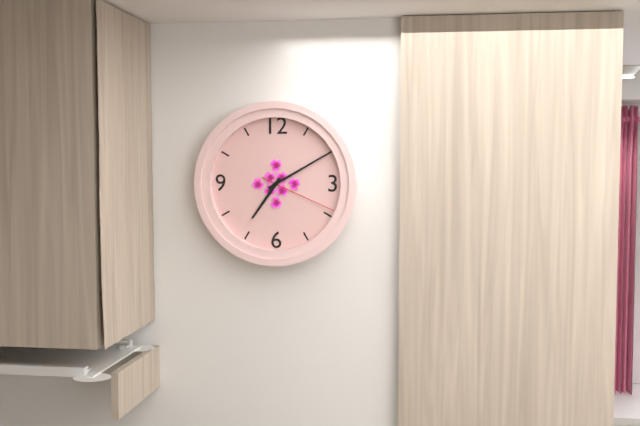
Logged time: 7,10,19
